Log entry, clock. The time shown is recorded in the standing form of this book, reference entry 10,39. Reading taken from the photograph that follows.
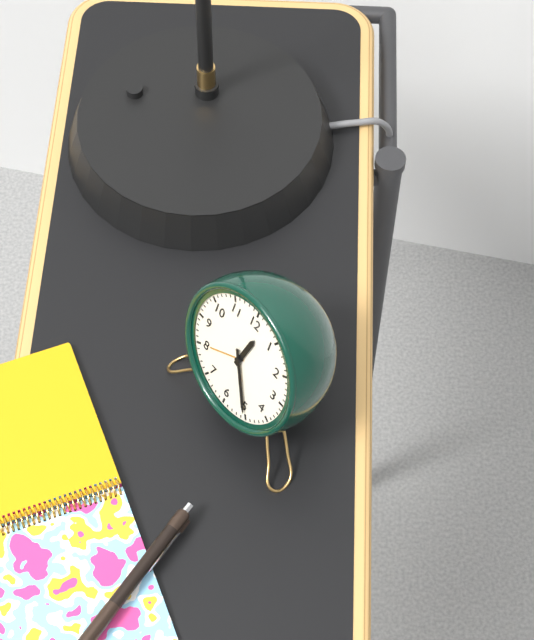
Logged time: 12,25
